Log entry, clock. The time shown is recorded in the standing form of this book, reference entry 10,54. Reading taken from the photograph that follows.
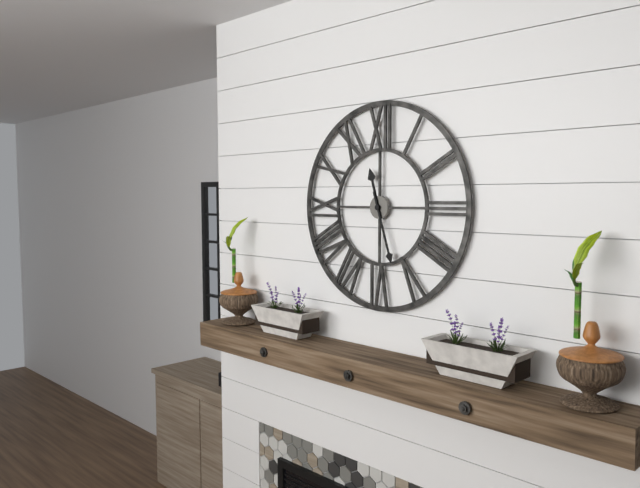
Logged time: 11,27
